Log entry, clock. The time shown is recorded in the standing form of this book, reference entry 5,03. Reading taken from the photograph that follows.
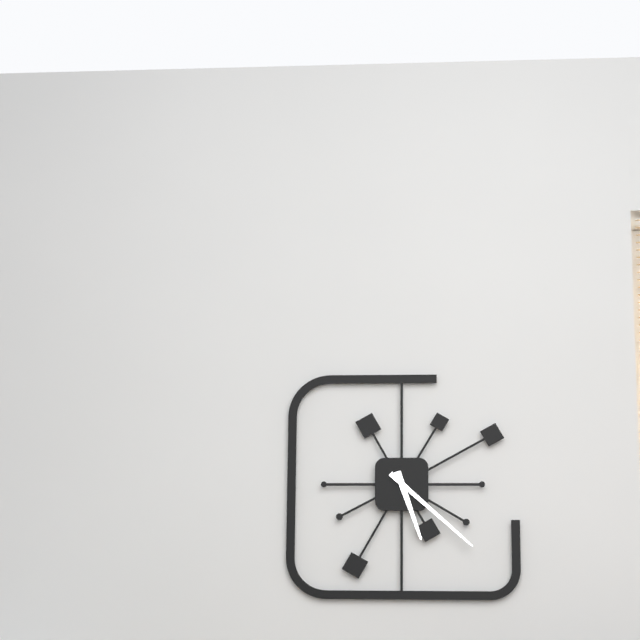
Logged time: 5,22
